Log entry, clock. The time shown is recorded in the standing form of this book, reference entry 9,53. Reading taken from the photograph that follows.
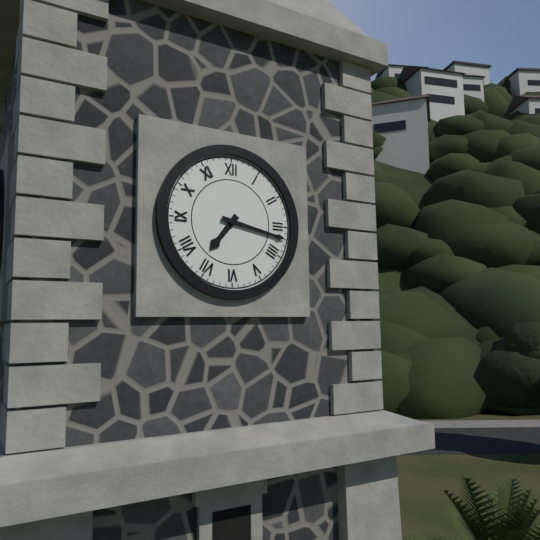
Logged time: 7,17
